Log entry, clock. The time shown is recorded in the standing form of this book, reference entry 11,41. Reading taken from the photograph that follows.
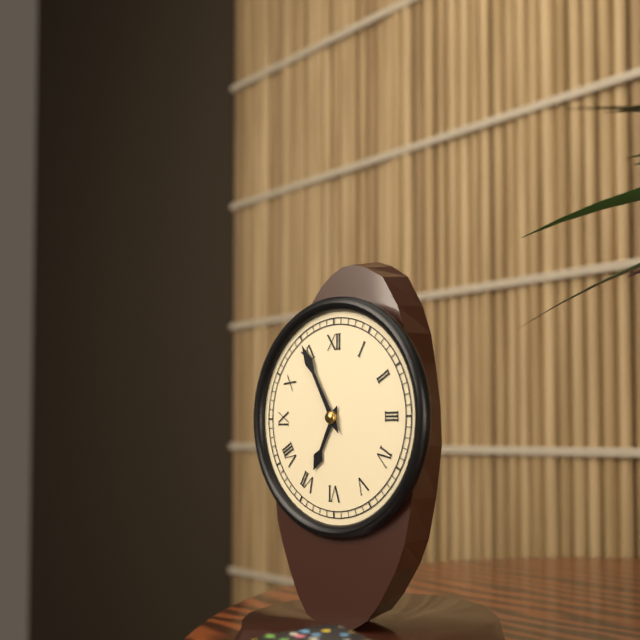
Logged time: 6,55
